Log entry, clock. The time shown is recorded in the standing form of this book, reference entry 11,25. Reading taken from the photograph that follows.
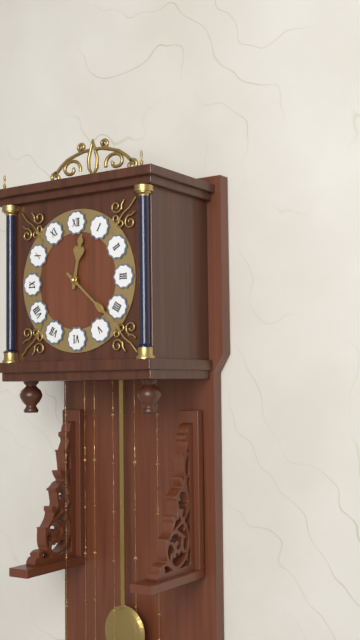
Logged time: 12,22
